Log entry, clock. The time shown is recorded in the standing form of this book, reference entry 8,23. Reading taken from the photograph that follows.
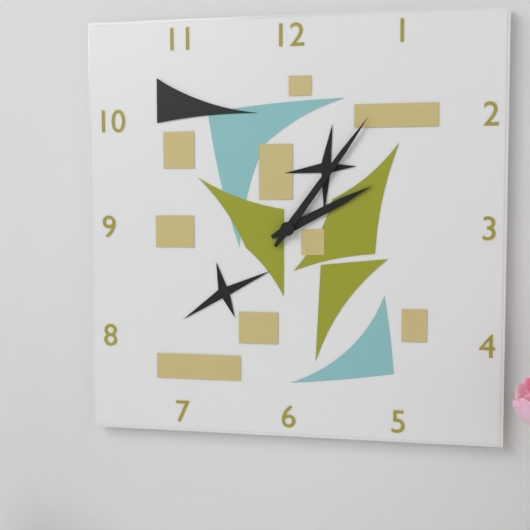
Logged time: 2,06
